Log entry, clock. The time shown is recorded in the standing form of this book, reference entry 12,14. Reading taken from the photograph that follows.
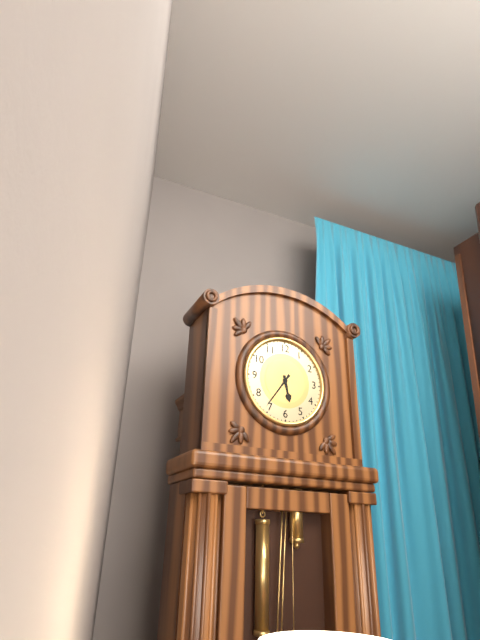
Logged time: 5,36
